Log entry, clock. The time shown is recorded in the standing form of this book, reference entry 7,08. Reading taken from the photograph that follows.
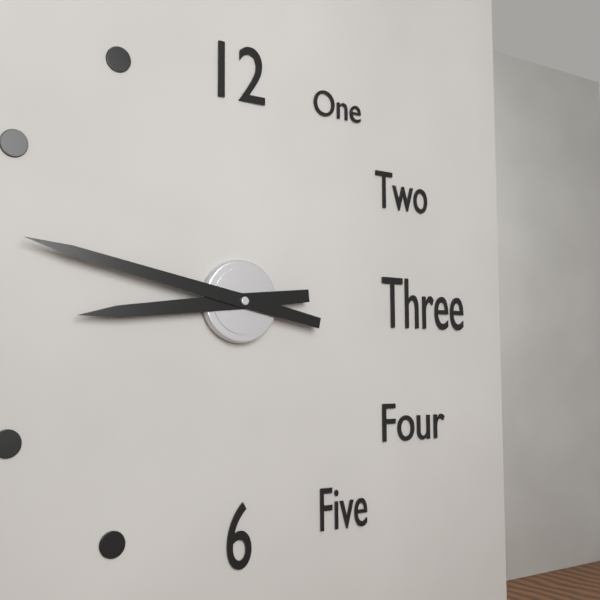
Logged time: 8,47
